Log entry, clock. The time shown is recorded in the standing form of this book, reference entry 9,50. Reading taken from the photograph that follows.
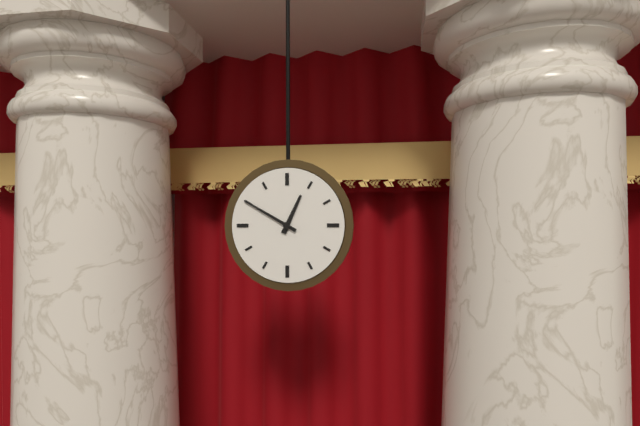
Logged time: 12,50
